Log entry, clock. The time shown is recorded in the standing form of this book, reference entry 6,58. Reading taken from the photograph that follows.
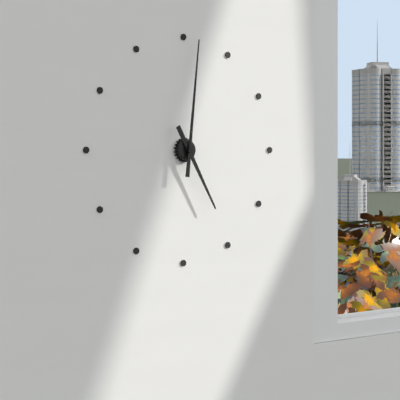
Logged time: 5,01
